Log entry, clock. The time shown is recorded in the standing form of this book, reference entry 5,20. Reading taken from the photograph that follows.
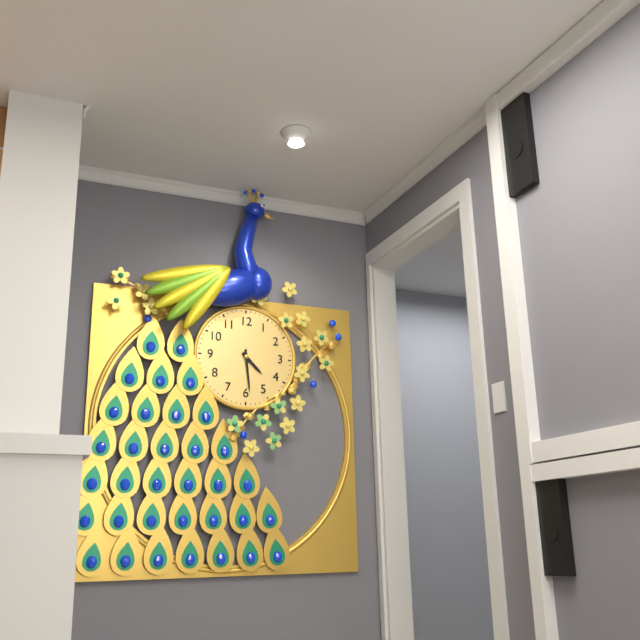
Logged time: 4,29
